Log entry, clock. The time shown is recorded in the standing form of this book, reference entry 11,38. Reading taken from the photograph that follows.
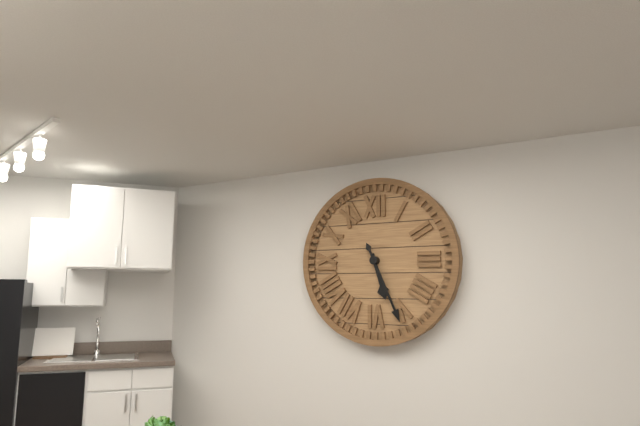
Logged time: 5,26
